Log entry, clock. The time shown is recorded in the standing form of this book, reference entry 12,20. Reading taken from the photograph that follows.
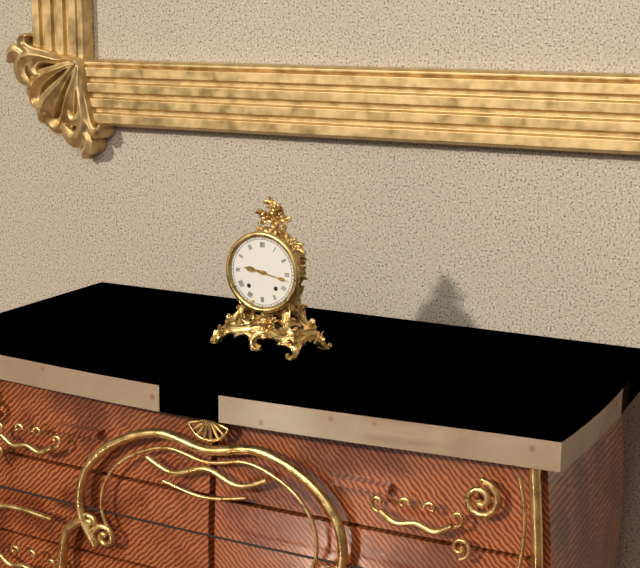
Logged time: 9,17
